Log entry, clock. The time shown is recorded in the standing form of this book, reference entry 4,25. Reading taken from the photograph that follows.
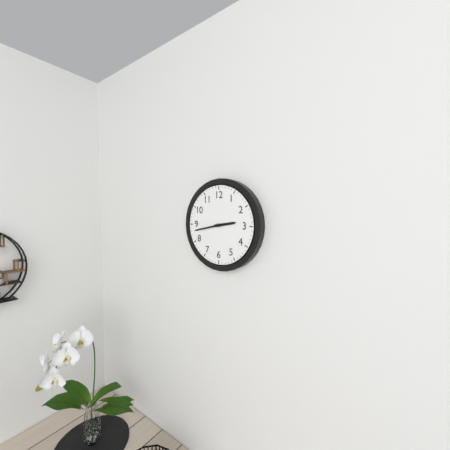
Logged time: 2,43
